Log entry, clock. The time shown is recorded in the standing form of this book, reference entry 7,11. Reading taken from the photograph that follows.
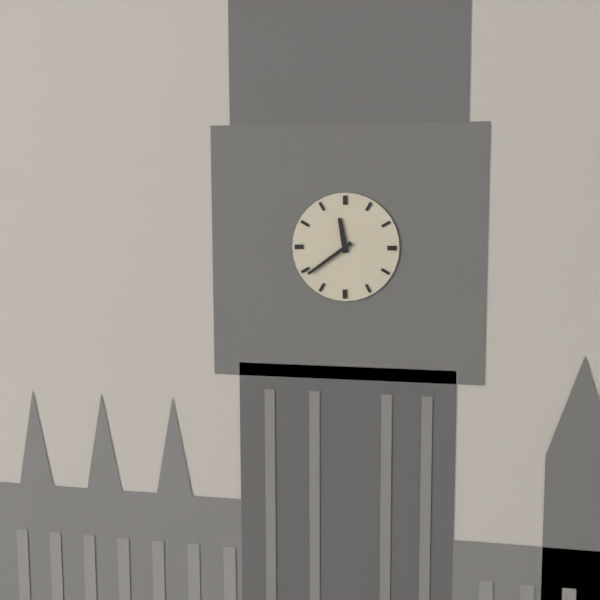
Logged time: 11,39
